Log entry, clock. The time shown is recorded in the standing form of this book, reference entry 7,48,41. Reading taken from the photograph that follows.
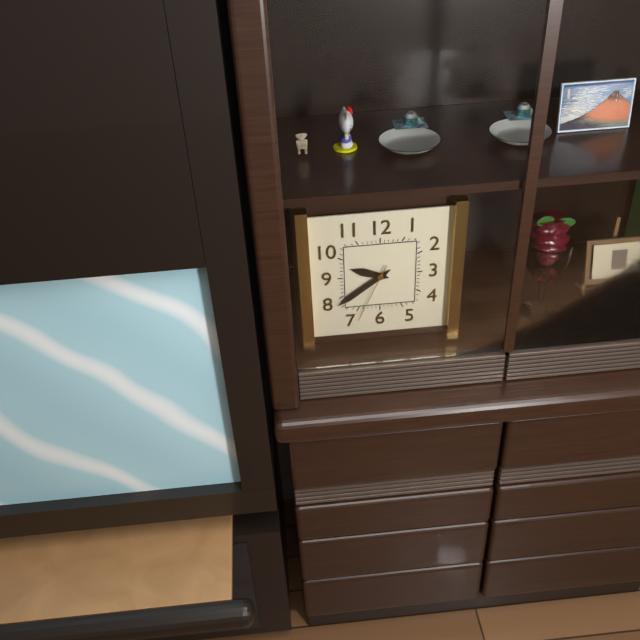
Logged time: 9,39,34
